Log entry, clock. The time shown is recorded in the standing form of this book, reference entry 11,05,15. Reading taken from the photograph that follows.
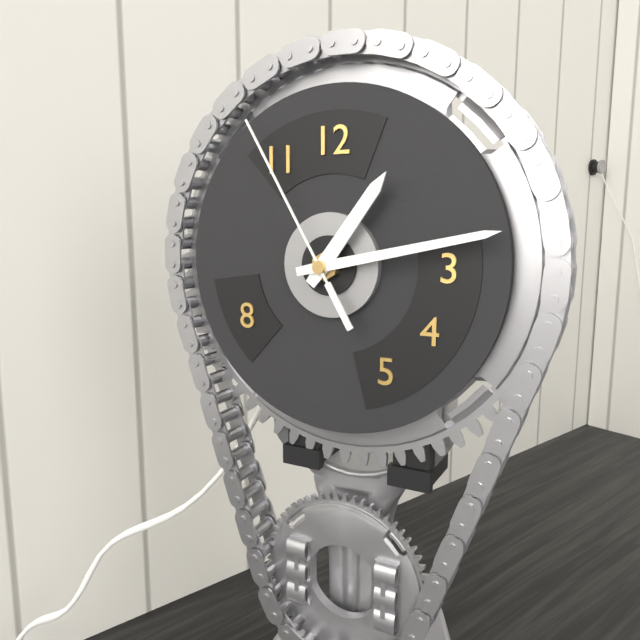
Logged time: 1,13,55
